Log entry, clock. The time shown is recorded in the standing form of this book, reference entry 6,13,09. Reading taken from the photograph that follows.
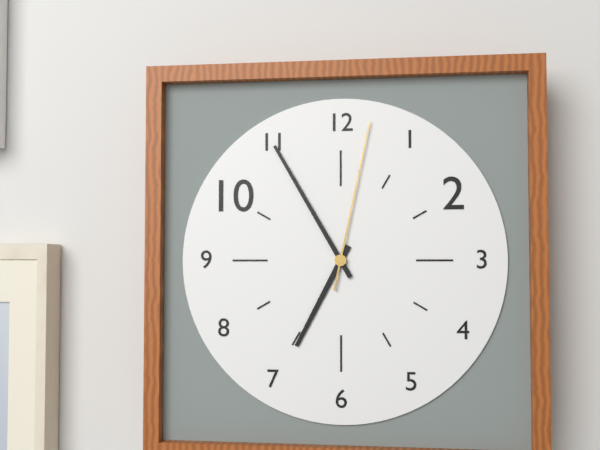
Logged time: 6,55,02
